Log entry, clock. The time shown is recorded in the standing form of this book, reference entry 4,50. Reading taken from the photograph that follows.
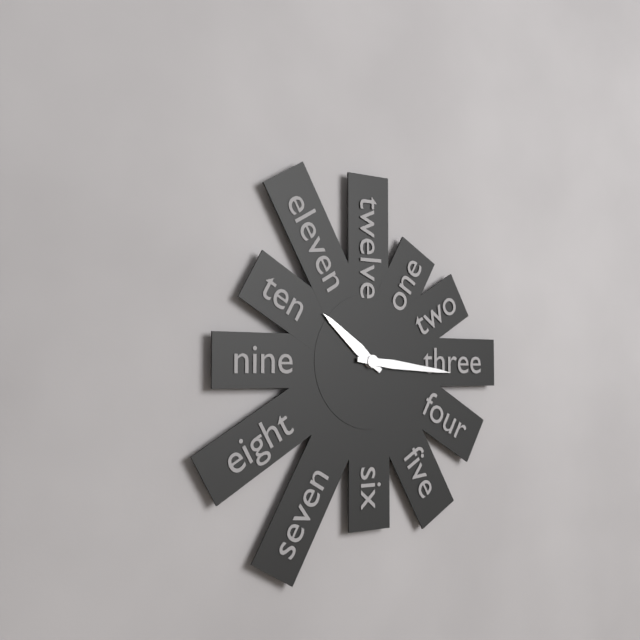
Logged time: 10,16
